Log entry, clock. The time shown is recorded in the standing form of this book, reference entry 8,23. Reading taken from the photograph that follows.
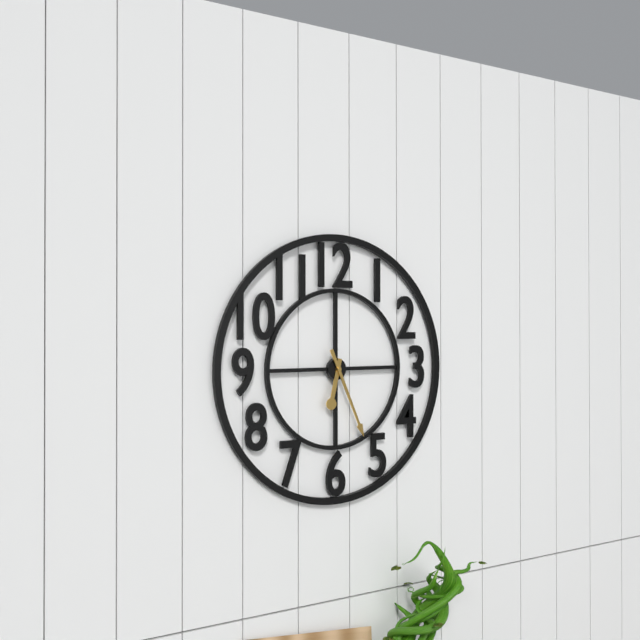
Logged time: 6,26
